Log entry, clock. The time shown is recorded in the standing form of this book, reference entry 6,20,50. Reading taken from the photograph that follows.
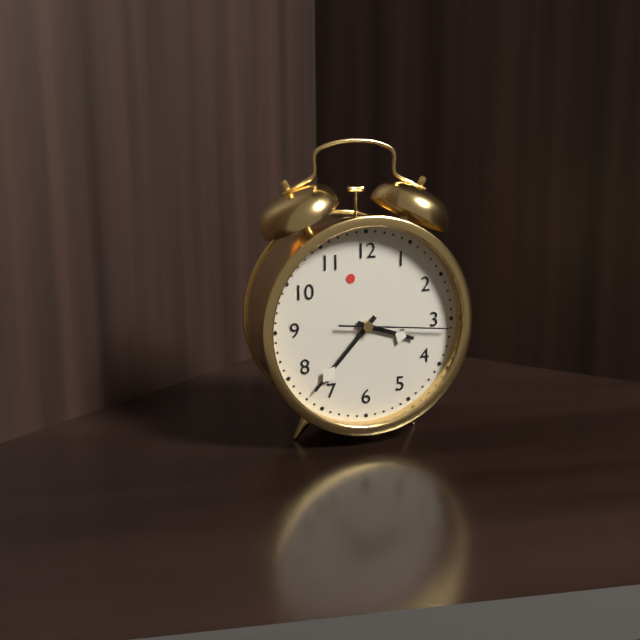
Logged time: 3,37,16
